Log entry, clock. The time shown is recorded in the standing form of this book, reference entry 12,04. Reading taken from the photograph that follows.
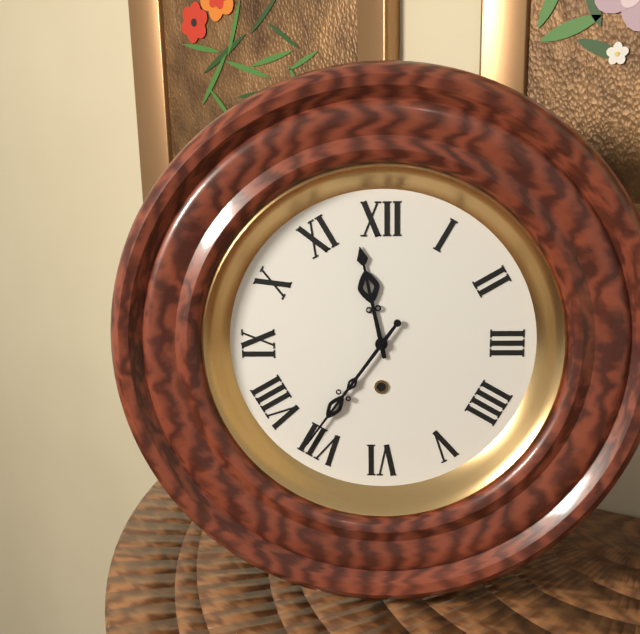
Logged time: 11,36
